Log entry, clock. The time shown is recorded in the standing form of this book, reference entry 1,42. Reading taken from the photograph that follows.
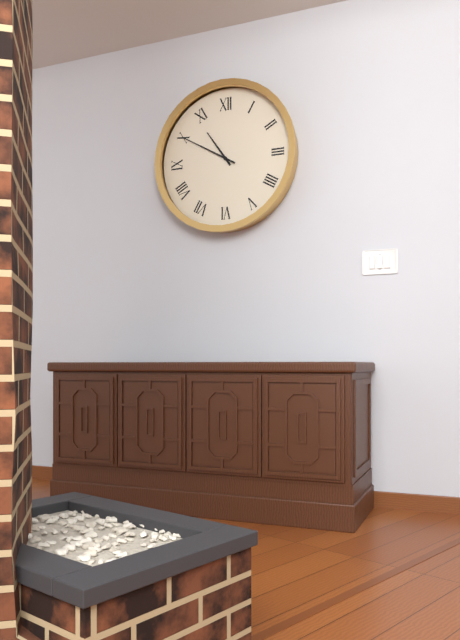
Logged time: 10,50
